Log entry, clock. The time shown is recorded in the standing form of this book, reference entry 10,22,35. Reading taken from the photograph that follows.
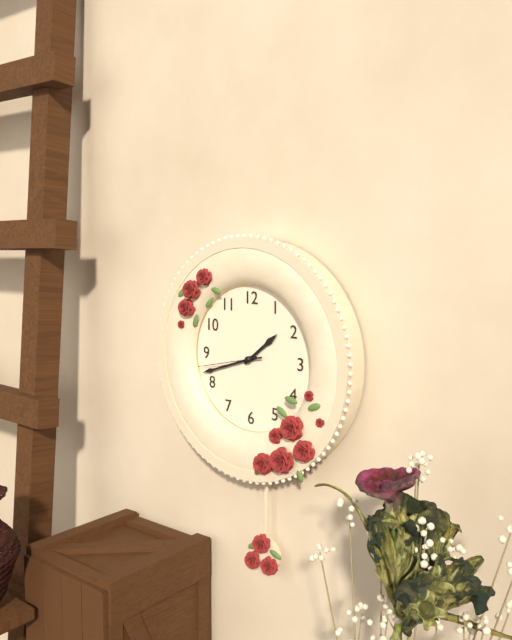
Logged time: 1,42,43
